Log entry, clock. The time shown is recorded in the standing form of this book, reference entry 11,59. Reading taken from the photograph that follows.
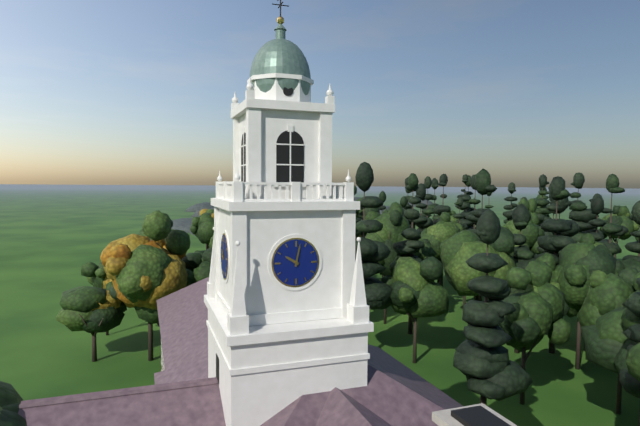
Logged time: 10,02
